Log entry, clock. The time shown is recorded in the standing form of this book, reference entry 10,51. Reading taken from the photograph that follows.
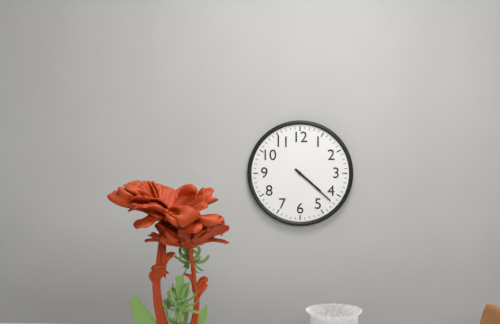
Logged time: 4,22
